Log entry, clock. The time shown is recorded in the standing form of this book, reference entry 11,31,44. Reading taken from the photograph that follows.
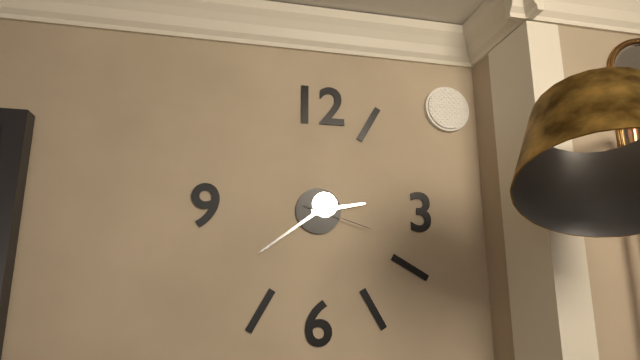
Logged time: 2,39,18
